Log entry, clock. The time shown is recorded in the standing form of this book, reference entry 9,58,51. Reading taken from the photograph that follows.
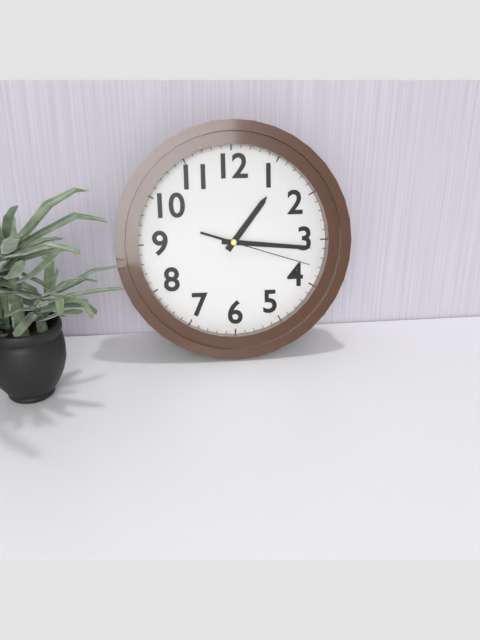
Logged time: 1,16,18
